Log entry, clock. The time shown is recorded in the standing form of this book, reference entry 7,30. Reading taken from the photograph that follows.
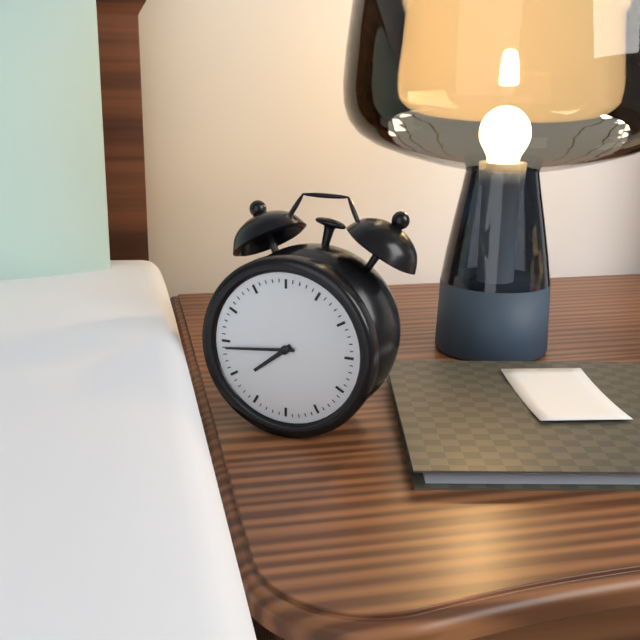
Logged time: 7,44
